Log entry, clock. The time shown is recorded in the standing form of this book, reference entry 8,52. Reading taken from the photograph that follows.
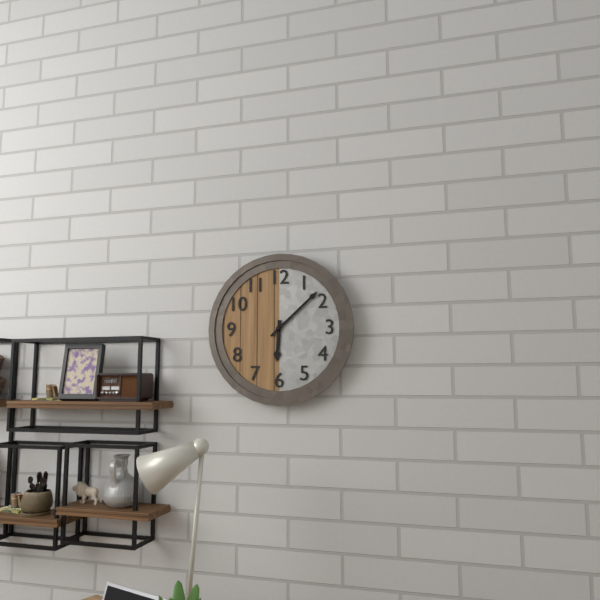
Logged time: 6,08
